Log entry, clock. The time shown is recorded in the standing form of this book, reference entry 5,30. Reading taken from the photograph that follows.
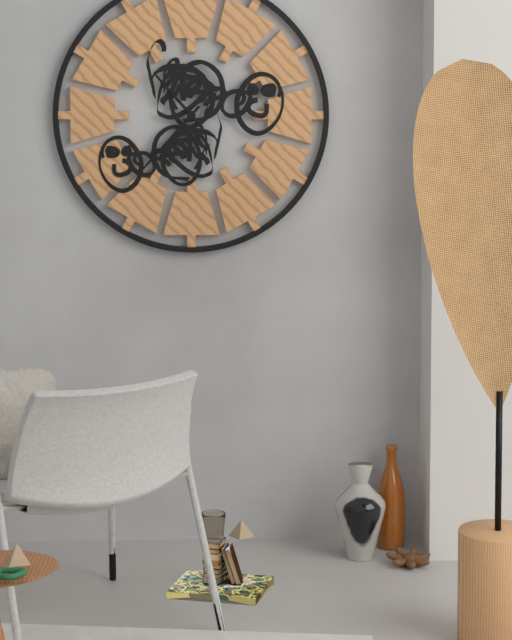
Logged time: 10,37
